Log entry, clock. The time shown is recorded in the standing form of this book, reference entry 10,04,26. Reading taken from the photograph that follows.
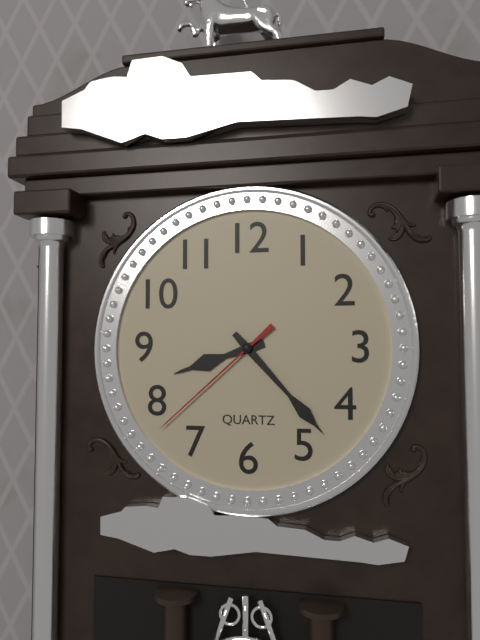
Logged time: 8,23,38
